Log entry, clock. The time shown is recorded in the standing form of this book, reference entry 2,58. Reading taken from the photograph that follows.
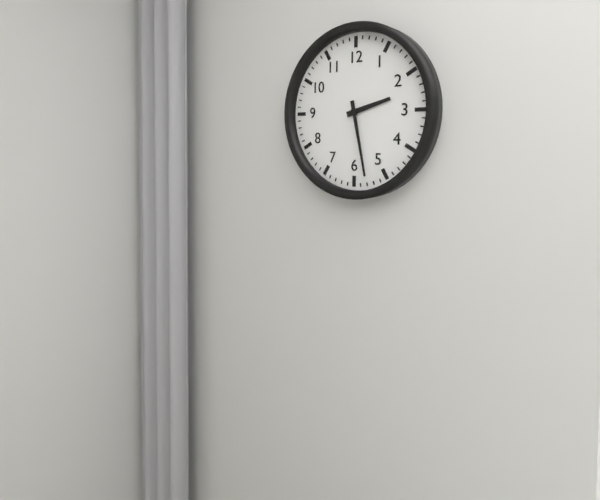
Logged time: 2,28
